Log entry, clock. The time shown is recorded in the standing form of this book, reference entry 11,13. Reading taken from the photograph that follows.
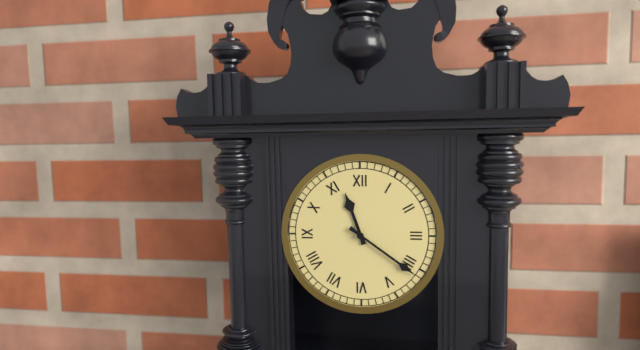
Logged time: 11,21
